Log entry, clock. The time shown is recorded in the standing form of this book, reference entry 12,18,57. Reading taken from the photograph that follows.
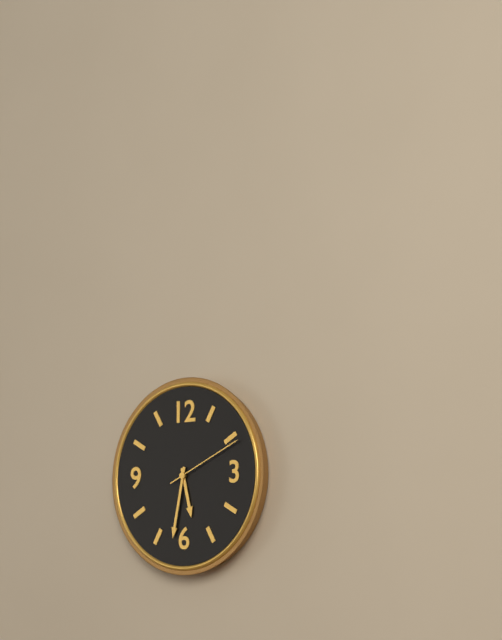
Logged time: 5,32,11
